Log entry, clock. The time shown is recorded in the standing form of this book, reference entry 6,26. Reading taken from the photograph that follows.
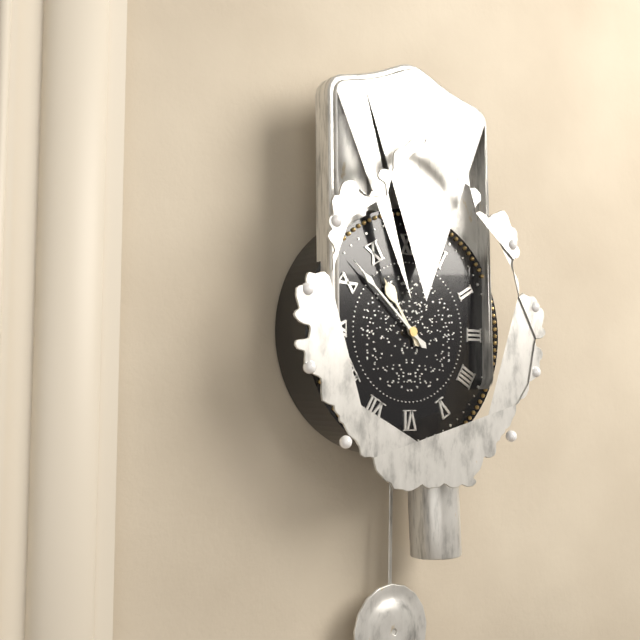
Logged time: 10,52
